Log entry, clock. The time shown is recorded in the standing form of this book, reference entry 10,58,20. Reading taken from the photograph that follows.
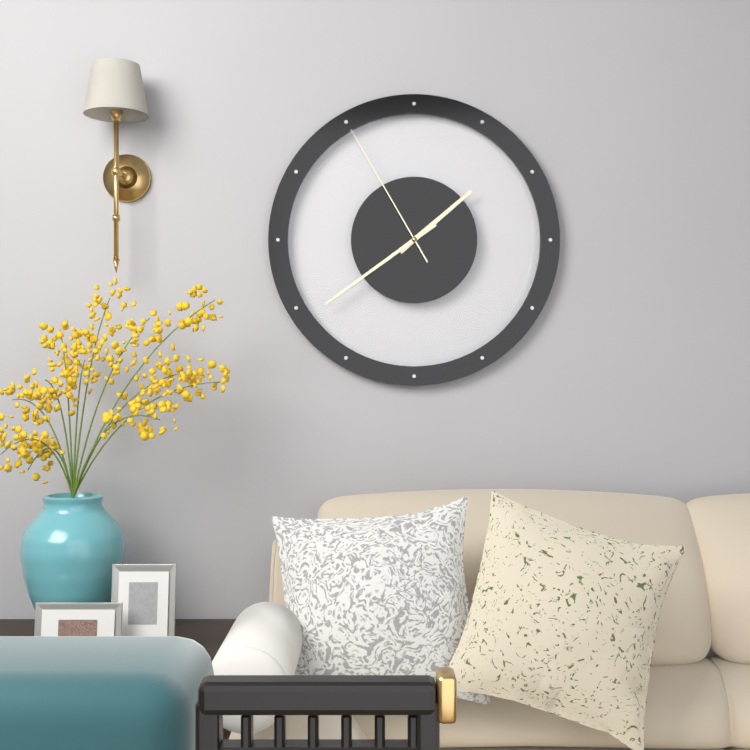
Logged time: 1,39,55
